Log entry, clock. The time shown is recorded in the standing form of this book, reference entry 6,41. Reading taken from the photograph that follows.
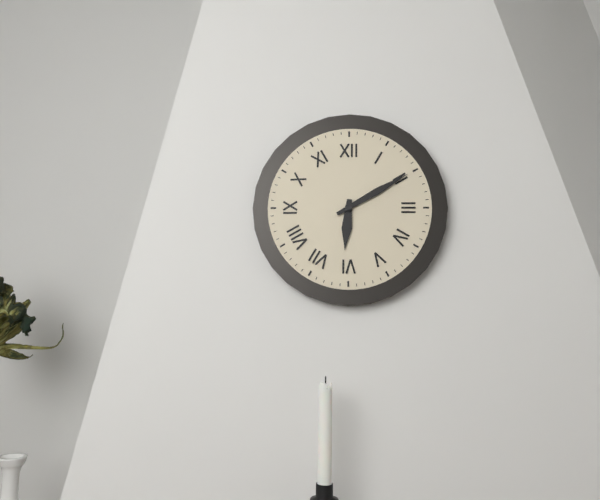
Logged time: 6,10
